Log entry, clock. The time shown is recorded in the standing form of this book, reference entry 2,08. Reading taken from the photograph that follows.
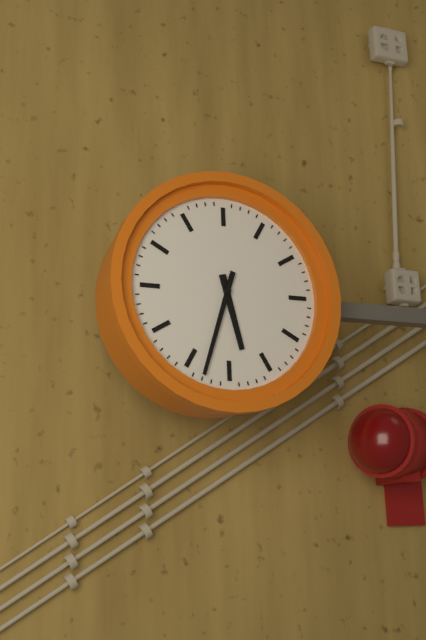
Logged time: 5,33
